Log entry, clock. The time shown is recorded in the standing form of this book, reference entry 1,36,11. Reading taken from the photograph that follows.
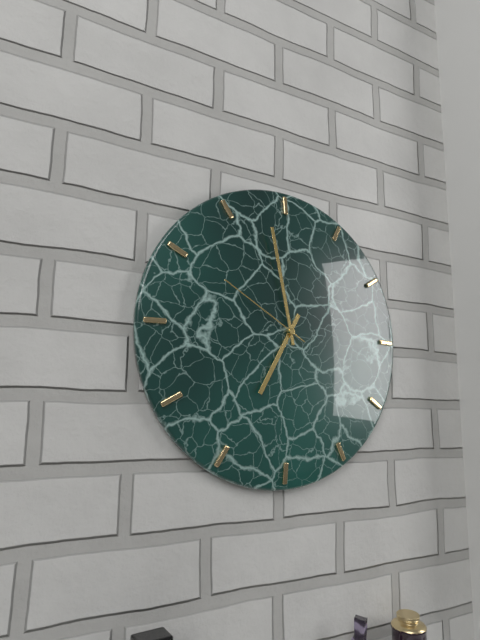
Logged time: 6,58,50
